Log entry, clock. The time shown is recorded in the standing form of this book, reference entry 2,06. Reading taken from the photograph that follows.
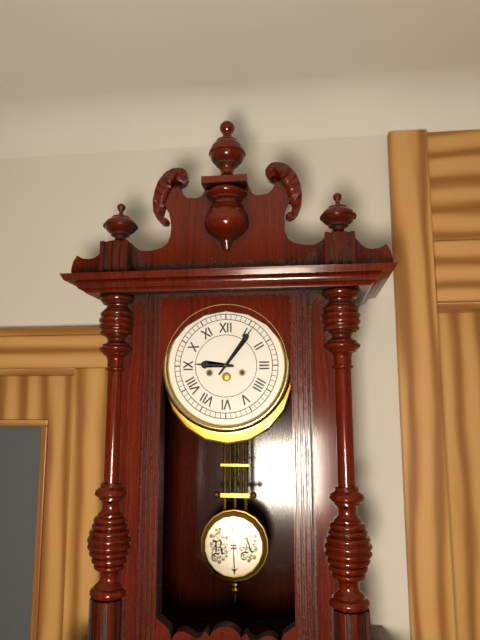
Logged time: 9,06
